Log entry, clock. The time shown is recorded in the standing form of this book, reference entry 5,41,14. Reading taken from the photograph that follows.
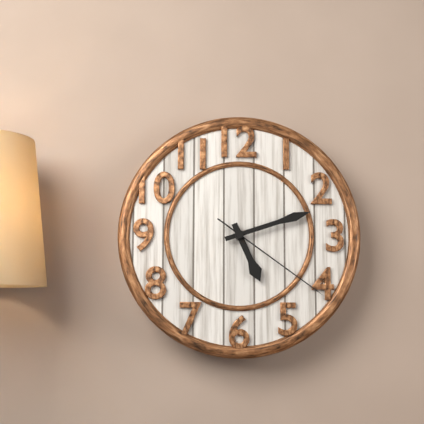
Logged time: 5,12,21
